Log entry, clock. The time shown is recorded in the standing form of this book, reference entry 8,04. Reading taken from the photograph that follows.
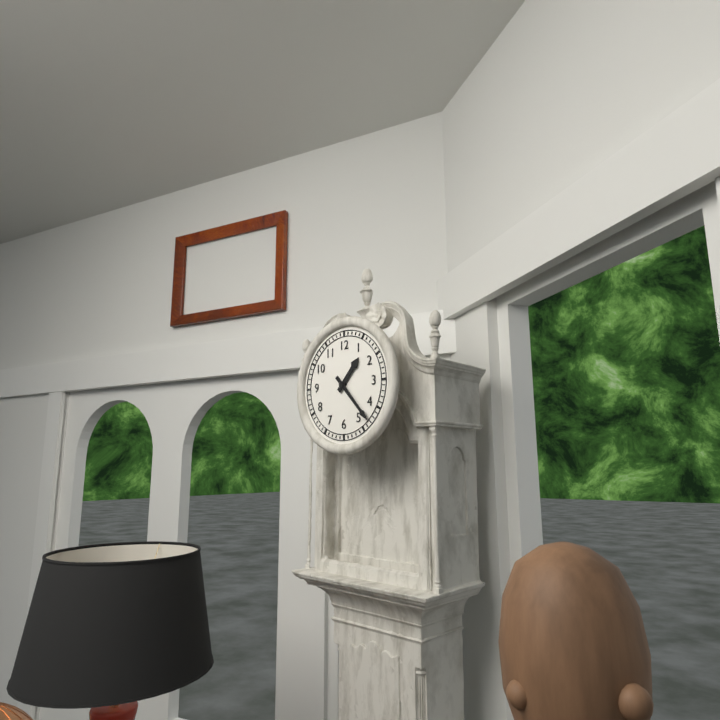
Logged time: 1,23
